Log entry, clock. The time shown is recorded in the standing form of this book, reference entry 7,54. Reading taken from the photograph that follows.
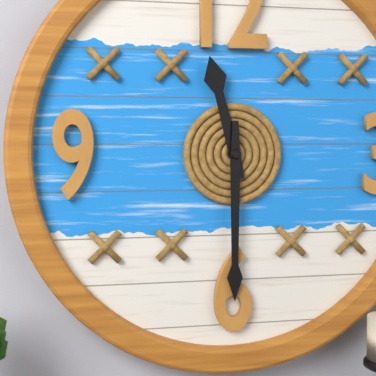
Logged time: 11,30
